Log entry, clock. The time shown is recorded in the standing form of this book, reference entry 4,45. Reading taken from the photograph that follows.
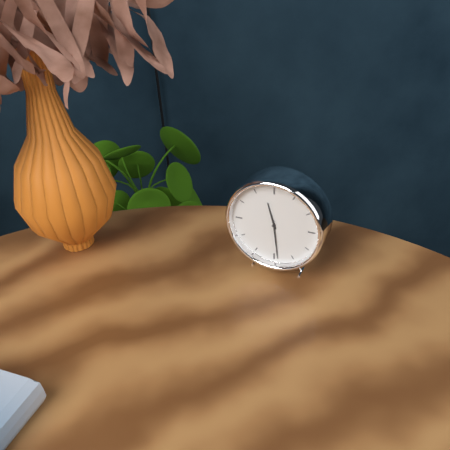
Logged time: 11,29
